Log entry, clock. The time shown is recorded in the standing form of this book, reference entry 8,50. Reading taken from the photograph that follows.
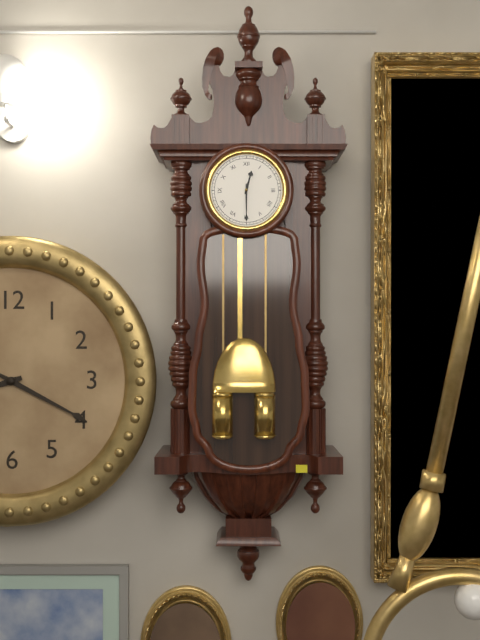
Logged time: 12,30
